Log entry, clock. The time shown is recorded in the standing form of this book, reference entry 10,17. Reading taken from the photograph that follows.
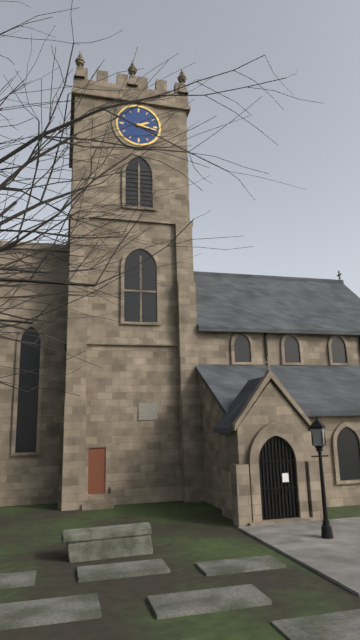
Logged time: 2,17
